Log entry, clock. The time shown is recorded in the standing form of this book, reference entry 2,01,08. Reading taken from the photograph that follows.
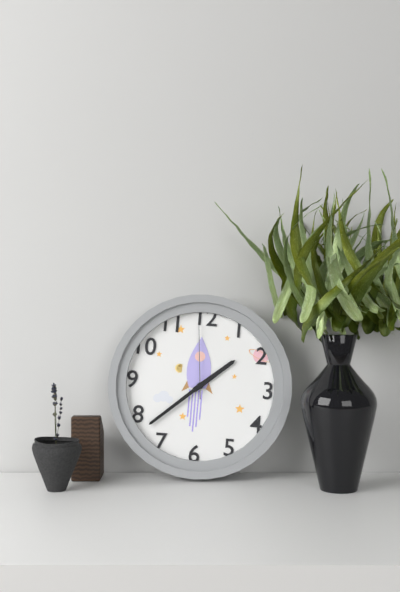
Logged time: 1,38,59
